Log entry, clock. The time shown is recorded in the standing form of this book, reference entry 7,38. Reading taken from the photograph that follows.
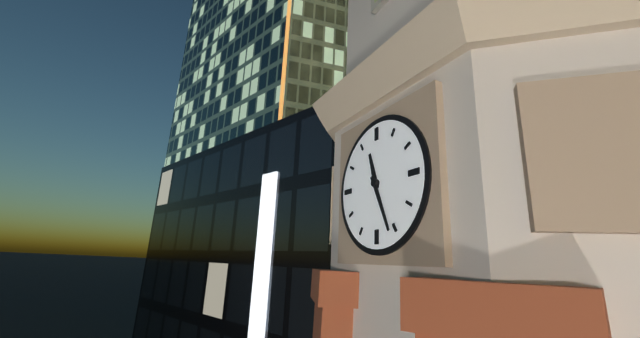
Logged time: 11,26
